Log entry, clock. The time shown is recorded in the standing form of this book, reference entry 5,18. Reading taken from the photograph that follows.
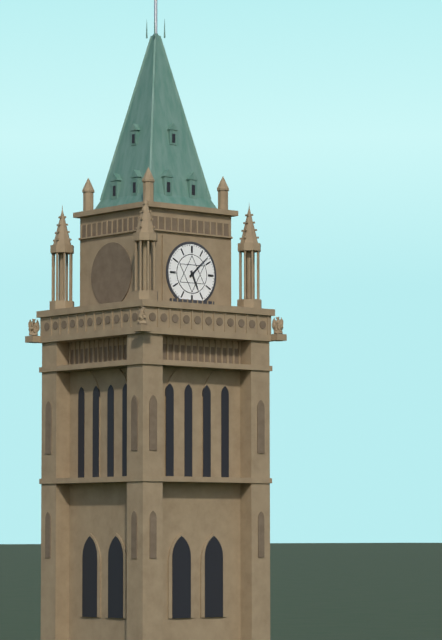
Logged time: 5,08
